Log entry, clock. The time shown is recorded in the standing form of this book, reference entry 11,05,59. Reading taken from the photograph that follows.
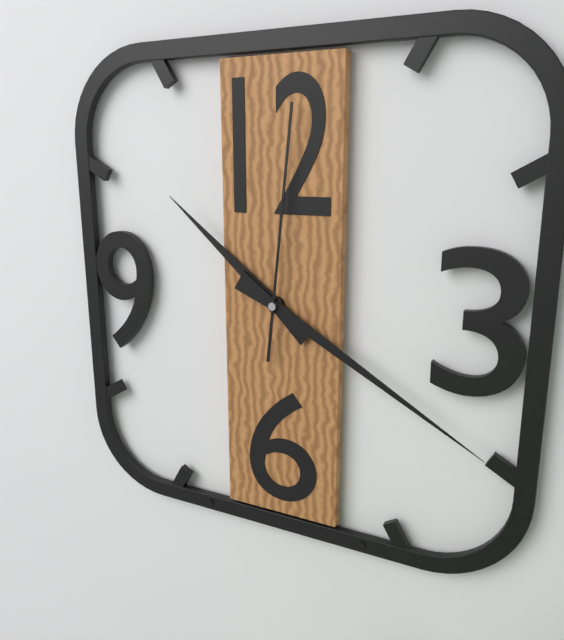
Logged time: 10,20,01
